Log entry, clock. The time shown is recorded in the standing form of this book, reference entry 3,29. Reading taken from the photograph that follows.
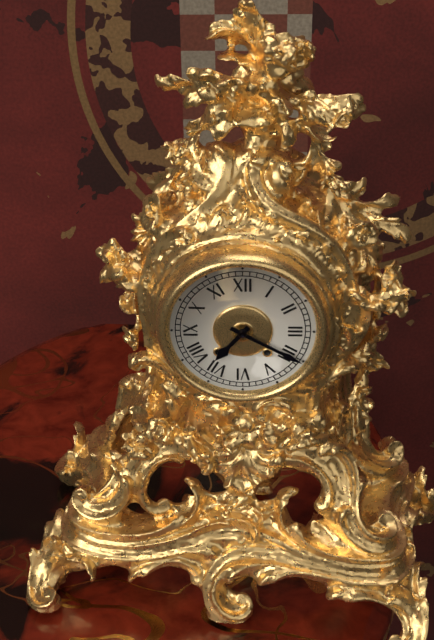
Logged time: 7,20
